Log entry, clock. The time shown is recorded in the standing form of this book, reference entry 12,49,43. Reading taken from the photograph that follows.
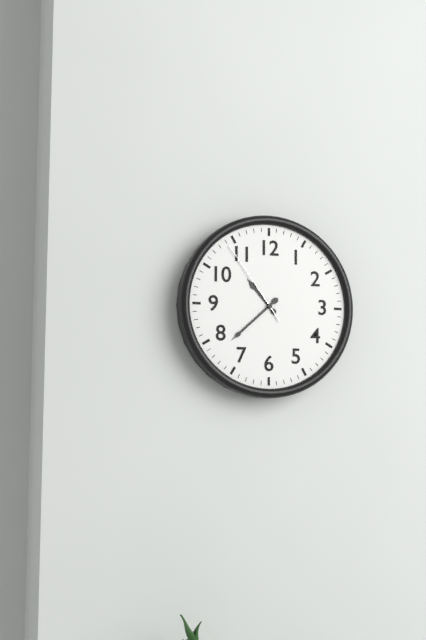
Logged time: 10,38,54
